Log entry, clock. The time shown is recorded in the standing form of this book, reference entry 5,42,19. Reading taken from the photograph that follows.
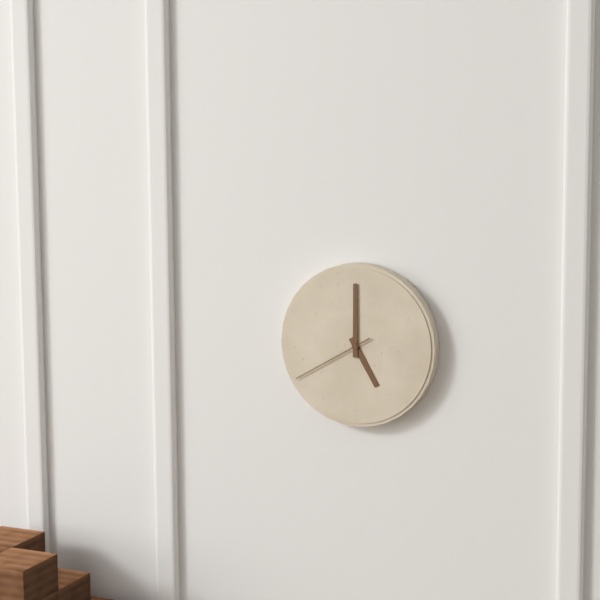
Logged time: 5,00,40
